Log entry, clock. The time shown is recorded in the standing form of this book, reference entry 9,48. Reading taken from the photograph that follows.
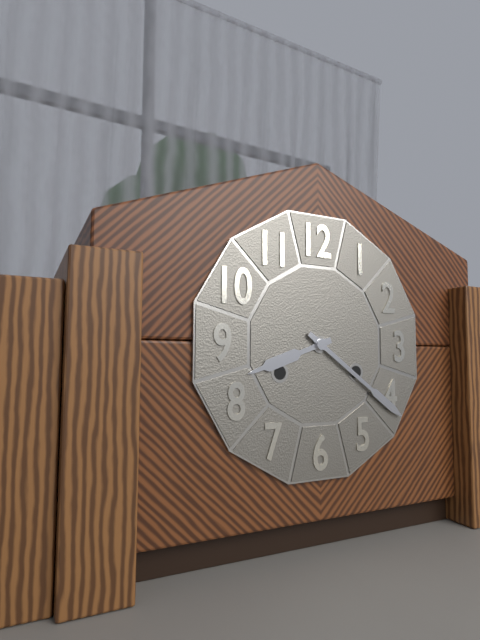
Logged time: 8,21
